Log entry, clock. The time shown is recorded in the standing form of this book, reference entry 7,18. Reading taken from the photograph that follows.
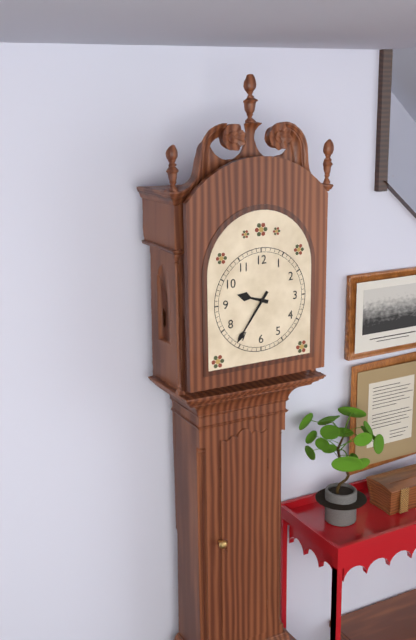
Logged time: 9,36
